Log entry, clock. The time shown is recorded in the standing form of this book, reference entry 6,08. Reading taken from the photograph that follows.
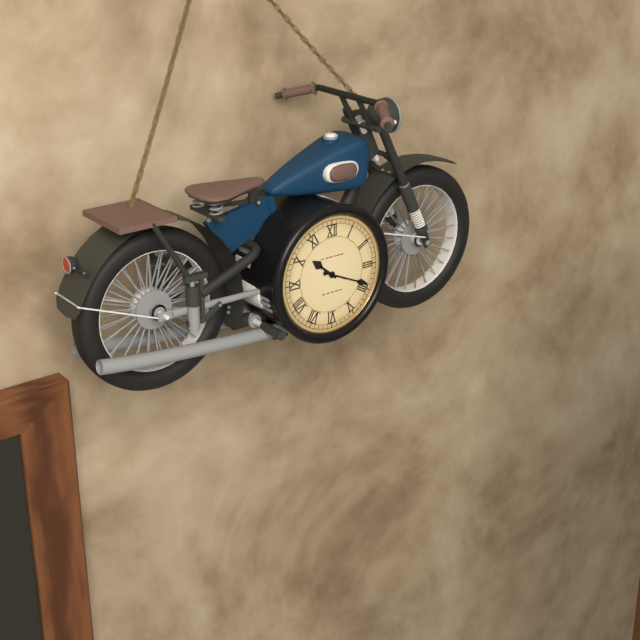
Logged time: 10,19
